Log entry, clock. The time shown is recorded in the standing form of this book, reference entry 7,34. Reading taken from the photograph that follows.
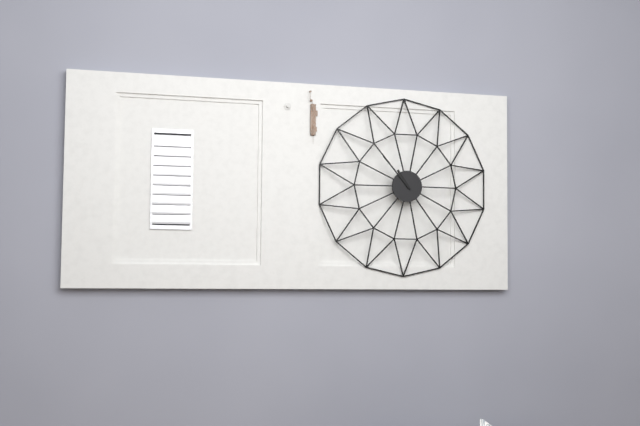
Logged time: 10,53
